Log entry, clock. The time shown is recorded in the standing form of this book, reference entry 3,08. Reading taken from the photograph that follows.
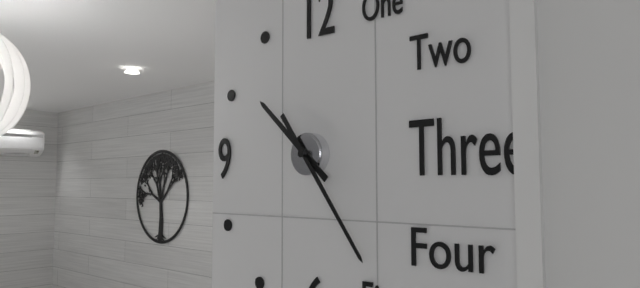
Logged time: 10,24
